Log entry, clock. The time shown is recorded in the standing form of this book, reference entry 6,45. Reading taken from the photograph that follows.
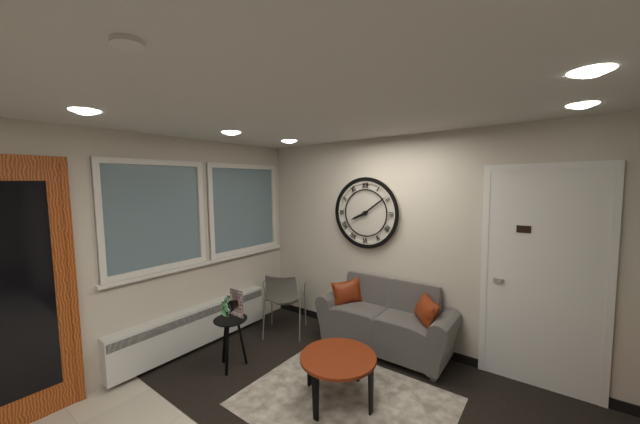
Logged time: 8,09
